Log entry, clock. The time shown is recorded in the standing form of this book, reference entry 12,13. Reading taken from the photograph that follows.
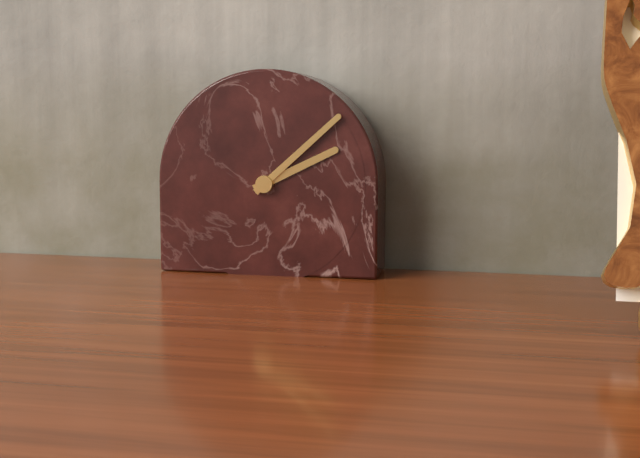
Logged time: 2,08
